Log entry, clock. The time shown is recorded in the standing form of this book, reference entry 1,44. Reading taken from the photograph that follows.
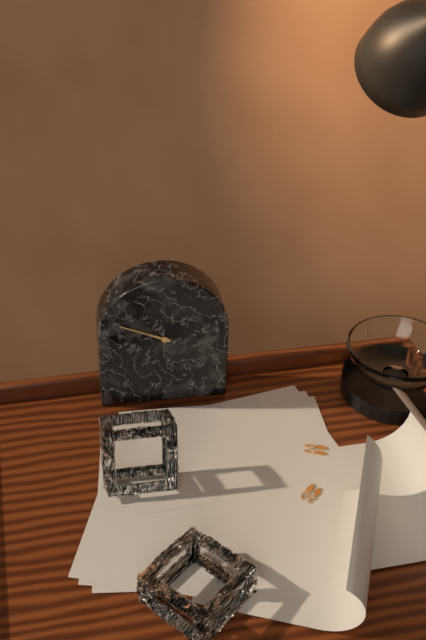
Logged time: 9,49
